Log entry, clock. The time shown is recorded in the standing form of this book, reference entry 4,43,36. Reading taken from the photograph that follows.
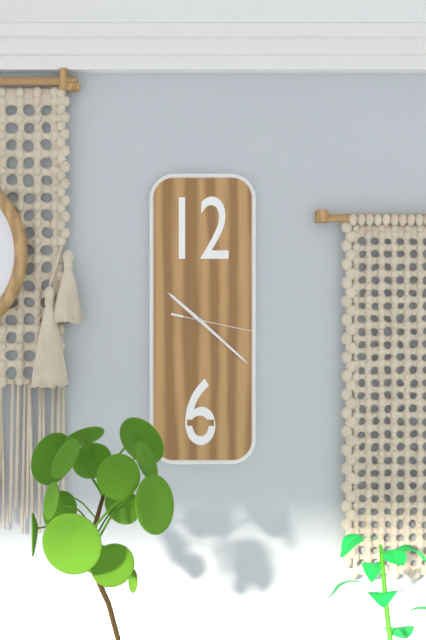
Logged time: 10,22,17
